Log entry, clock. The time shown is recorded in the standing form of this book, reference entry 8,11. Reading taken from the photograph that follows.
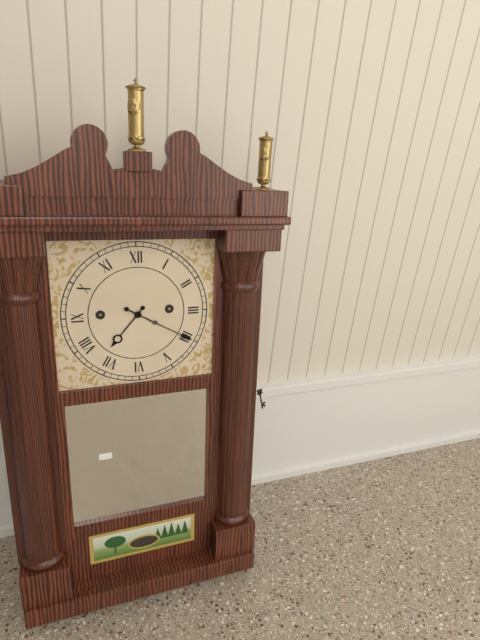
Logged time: 7,20
